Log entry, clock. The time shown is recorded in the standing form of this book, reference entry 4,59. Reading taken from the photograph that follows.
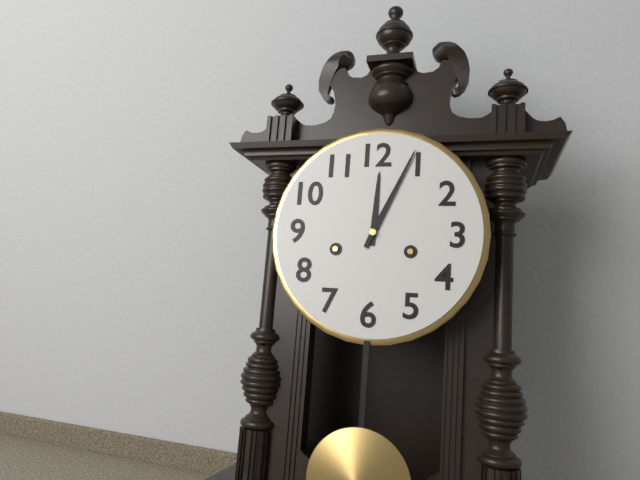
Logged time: 12,04
